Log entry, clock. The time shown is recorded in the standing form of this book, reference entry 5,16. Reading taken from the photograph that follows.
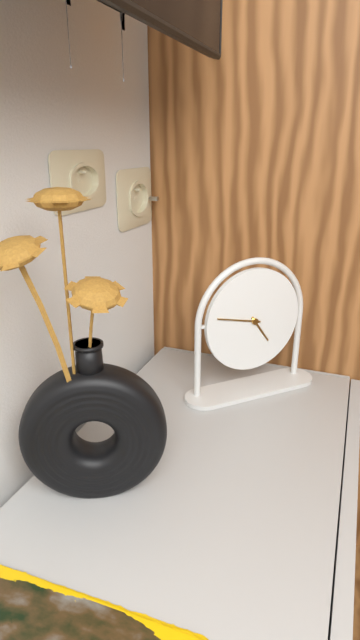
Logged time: 4,47
